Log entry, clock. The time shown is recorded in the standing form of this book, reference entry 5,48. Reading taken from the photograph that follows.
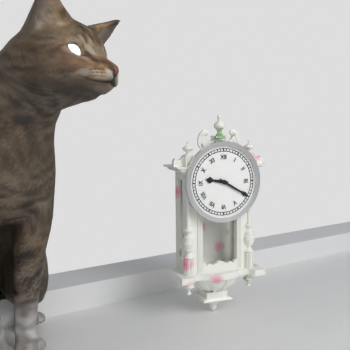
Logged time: 9,20
